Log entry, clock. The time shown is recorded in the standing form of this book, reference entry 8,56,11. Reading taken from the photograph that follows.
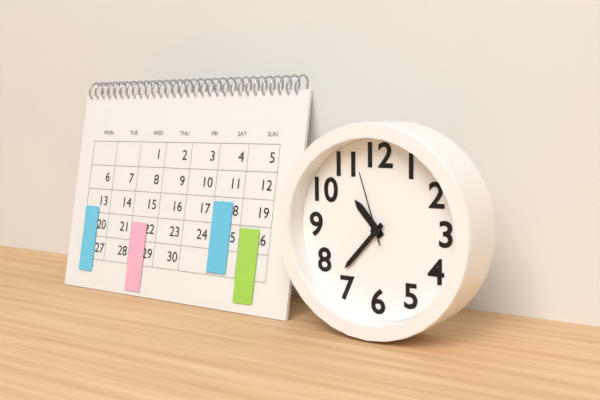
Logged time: 10,37,57
